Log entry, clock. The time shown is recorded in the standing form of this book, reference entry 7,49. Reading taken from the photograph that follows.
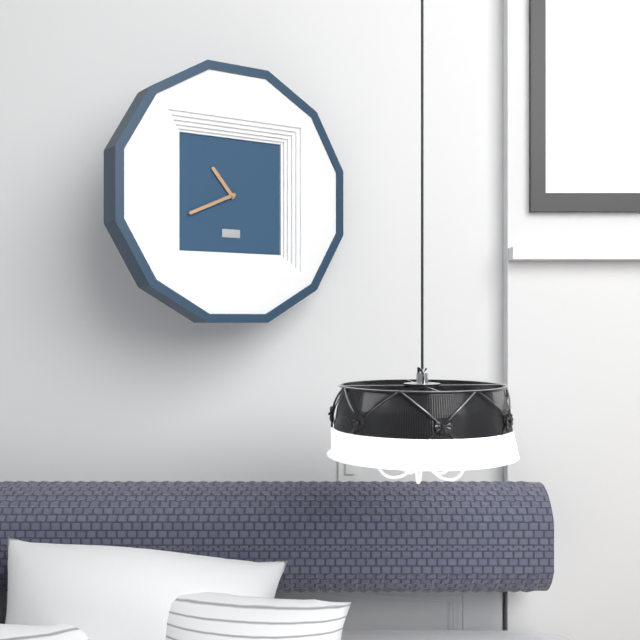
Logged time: 10,41
